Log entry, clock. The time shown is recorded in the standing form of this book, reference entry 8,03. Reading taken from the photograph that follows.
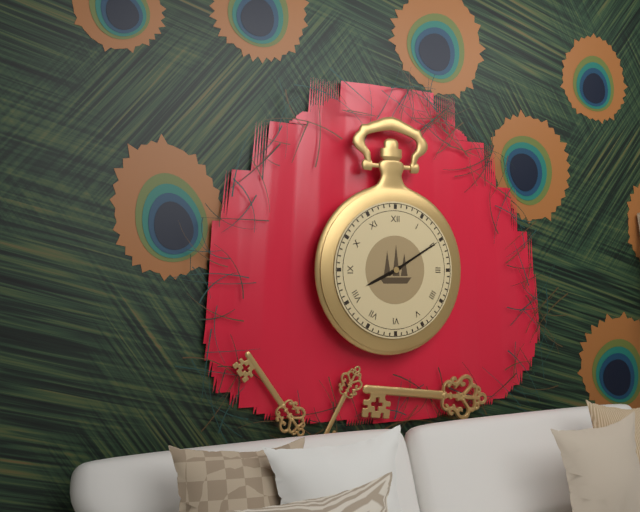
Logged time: 8,10
